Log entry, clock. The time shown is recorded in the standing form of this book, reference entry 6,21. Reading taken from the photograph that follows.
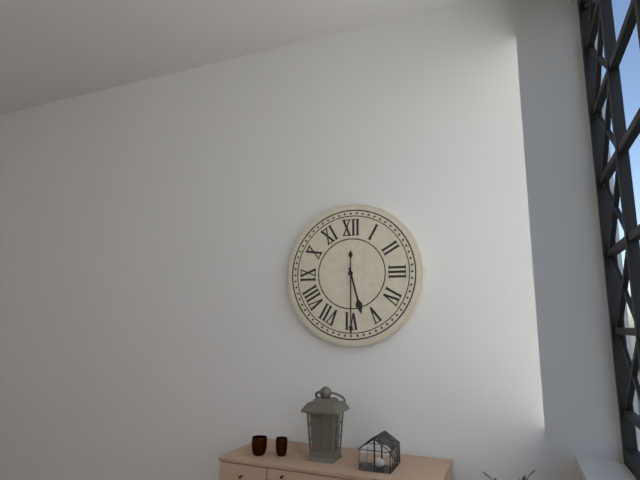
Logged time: 5,30
